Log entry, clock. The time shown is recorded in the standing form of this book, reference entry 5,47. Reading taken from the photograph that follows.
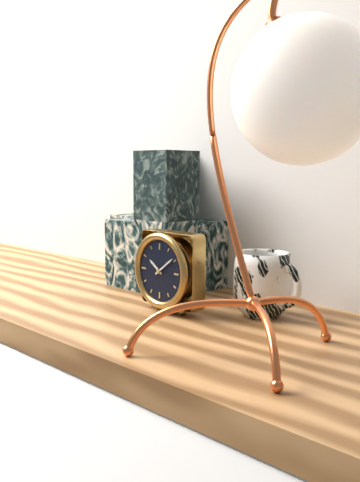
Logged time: 10,09
